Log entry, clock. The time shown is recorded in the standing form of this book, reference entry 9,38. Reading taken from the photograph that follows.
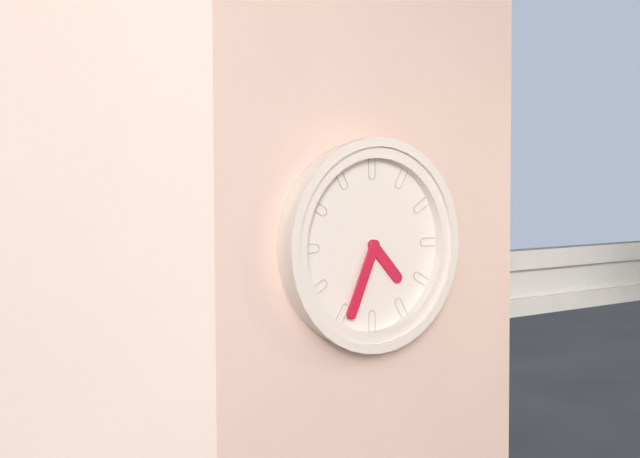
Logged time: 4,34
